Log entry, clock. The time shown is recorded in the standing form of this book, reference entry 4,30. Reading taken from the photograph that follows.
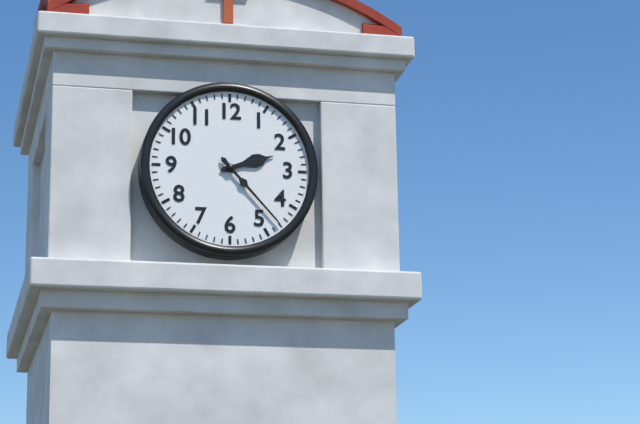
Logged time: 2,23
